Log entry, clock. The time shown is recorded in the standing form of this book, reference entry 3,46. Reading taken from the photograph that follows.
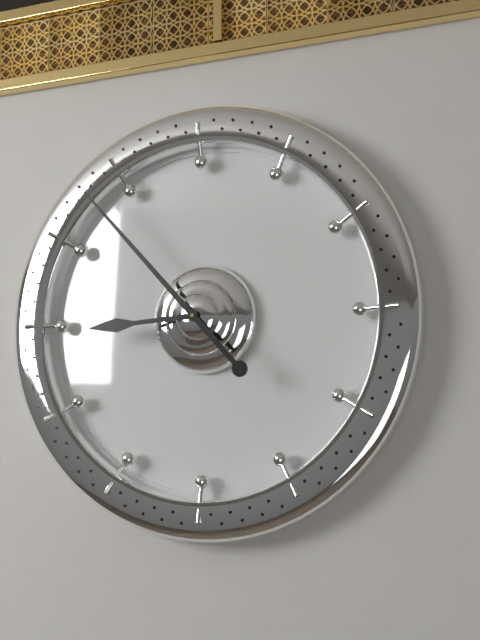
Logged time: 8,53
